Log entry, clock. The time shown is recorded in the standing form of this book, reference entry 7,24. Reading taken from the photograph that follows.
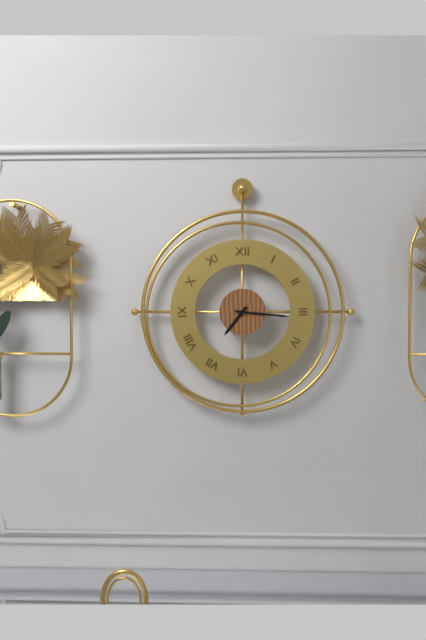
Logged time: 7,16
